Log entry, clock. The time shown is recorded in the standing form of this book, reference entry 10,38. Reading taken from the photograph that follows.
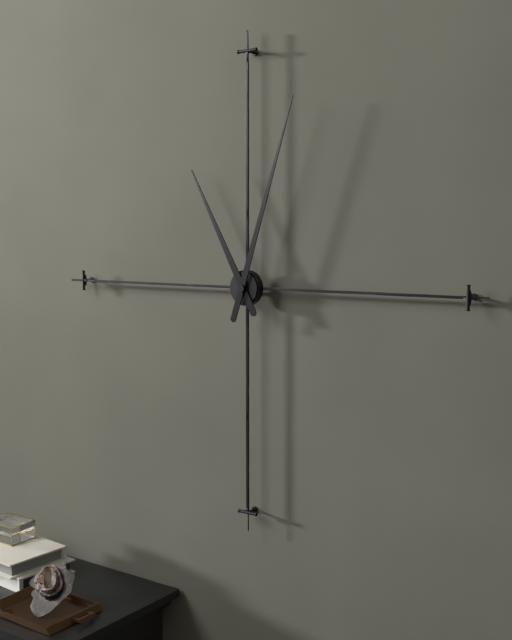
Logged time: 11,03
